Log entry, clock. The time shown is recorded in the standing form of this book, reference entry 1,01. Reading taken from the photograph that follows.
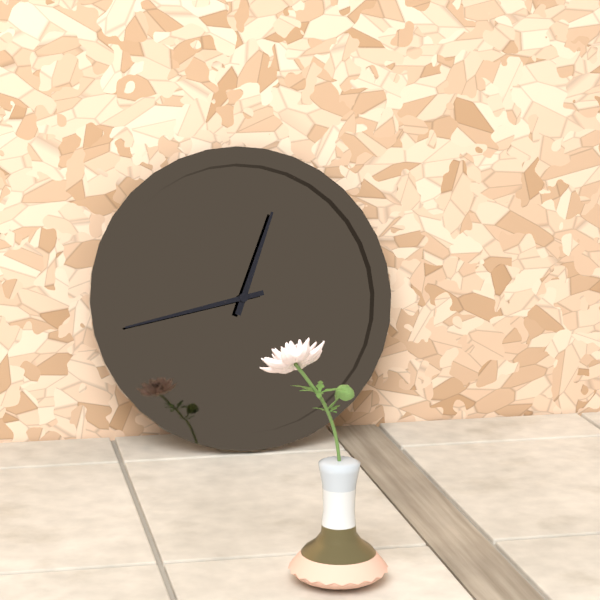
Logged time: 12,43
